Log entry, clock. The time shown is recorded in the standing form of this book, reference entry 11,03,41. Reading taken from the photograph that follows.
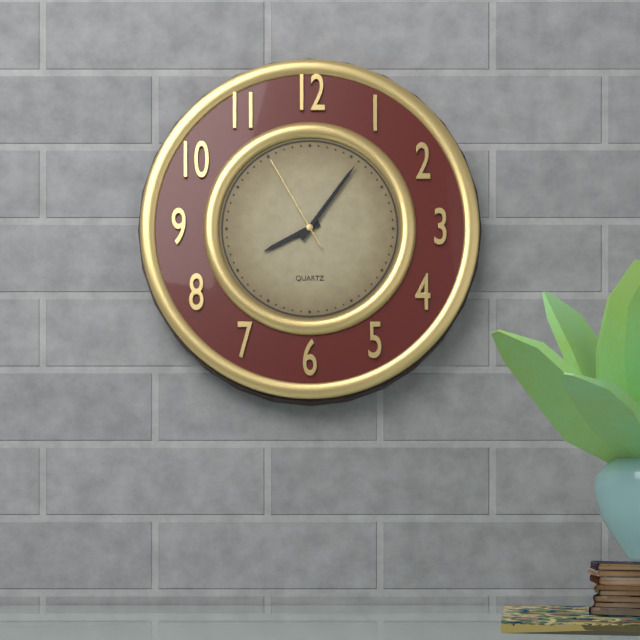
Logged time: 8,06,55
